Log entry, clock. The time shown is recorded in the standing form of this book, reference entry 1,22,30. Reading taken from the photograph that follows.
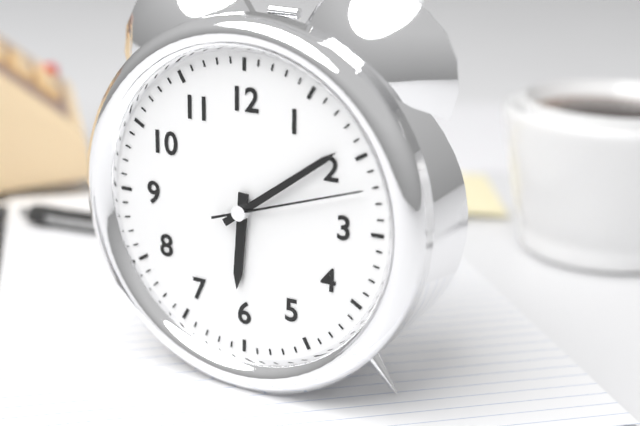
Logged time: 6,09,12
